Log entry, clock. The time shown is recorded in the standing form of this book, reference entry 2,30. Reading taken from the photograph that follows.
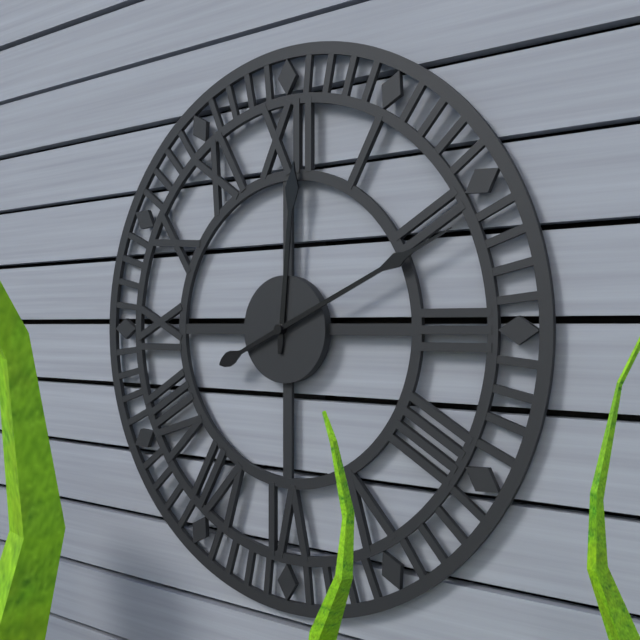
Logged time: 12,11
